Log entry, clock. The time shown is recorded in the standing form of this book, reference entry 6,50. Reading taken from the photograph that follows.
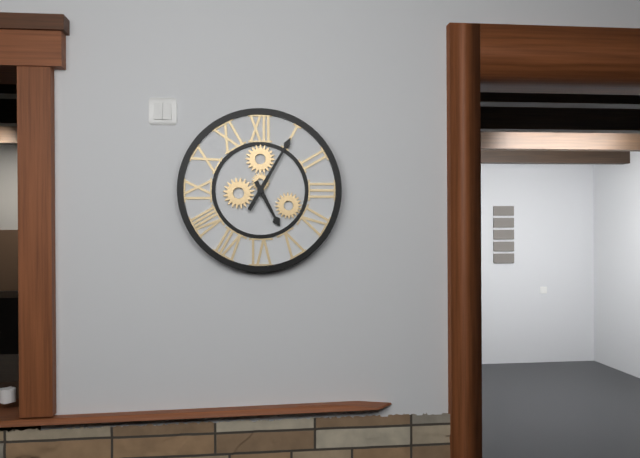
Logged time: 5,05
